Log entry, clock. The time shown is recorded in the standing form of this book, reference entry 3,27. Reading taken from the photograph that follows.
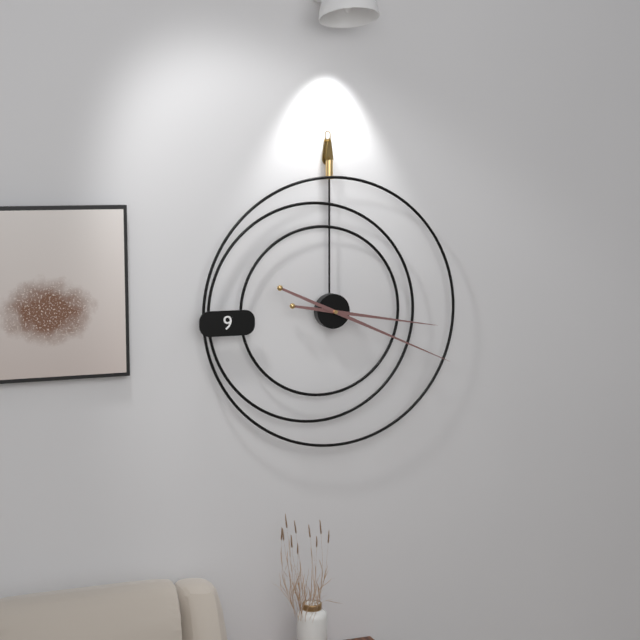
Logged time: 3,19
